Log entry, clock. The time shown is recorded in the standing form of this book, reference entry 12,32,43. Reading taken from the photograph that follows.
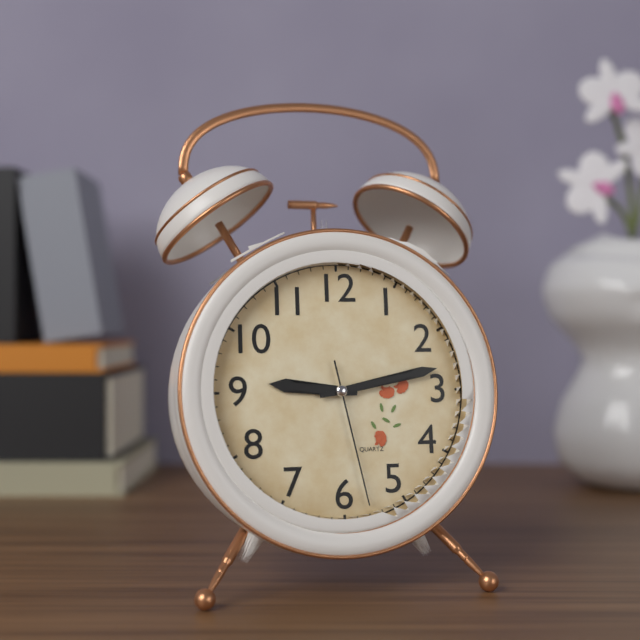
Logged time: 9,13,28
